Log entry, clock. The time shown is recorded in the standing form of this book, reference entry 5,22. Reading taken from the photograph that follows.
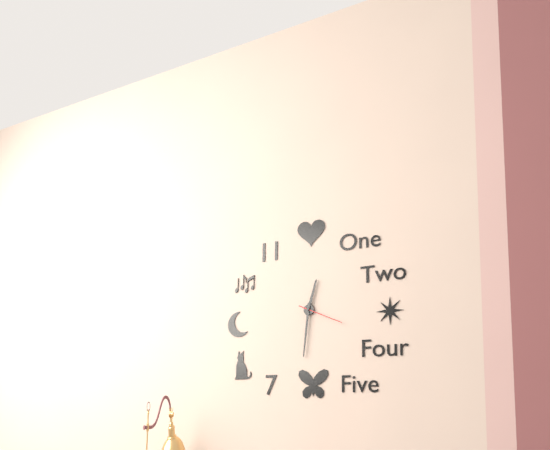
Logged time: 12,31
